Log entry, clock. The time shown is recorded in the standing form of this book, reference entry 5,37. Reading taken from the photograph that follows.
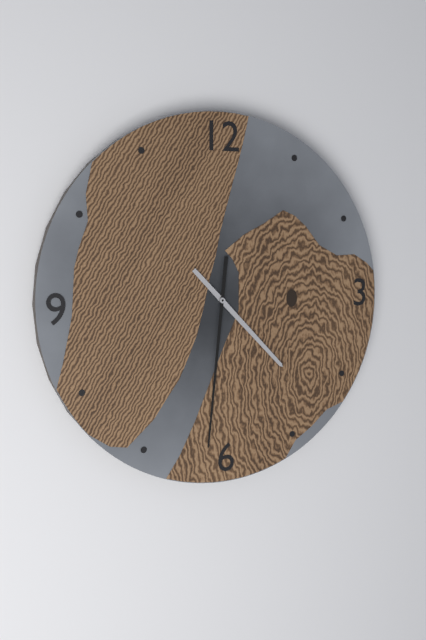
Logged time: 4,31
